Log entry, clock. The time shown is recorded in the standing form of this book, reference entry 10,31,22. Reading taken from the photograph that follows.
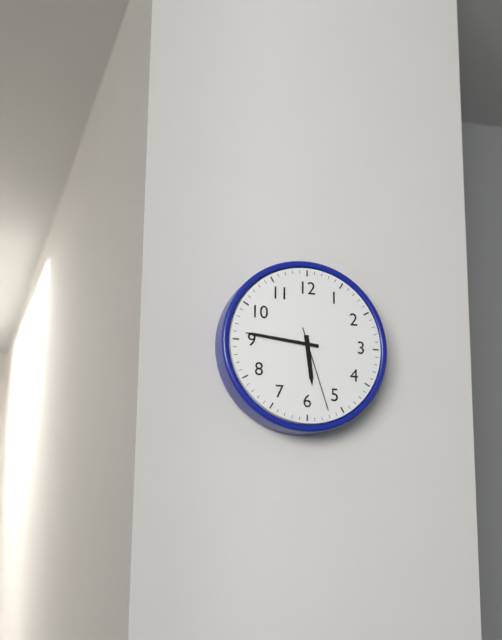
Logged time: 5,46,27
